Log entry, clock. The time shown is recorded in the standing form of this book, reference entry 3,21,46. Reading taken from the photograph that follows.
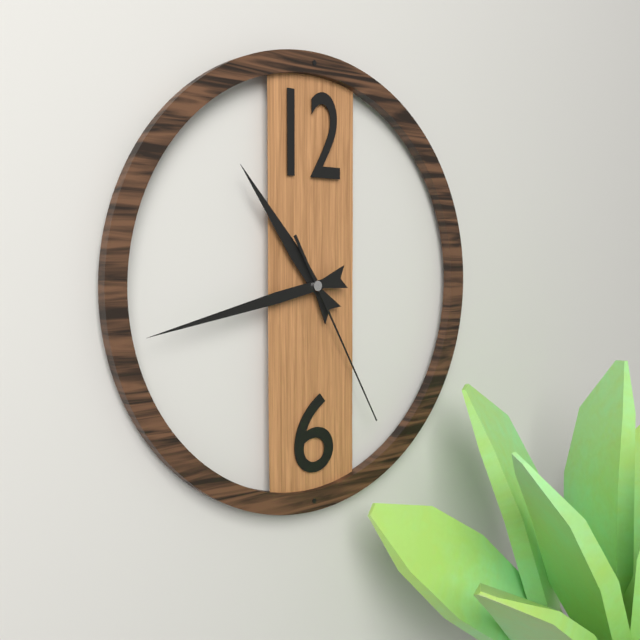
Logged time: 10,43,25
